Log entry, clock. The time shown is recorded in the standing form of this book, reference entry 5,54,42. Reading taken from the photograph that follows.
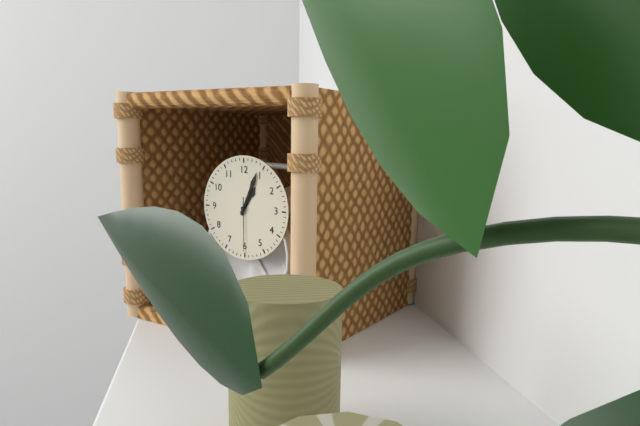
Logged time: 1,04,30
